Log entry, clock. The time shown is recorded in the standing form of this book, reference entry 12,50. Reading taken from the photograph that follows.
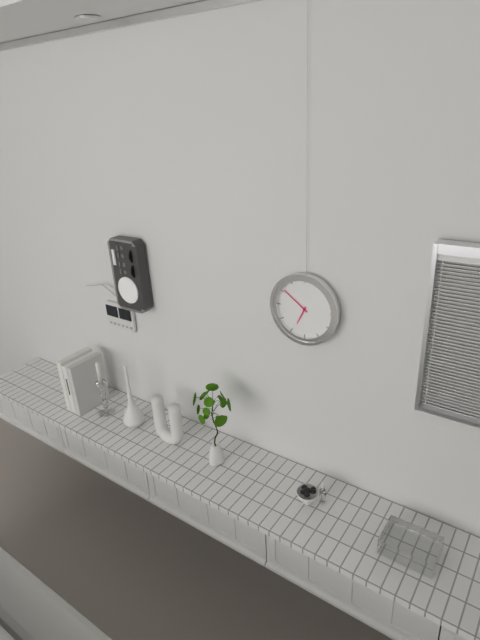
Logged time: 6,51
